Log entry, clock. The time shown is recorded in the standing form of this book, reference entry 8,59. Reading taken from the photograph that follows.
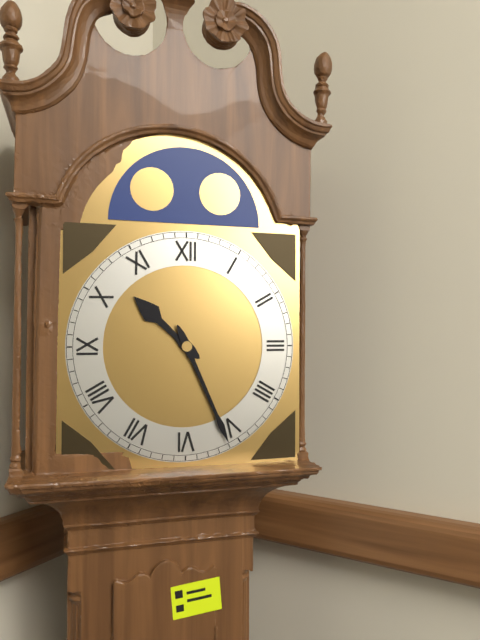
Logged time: 10,26
